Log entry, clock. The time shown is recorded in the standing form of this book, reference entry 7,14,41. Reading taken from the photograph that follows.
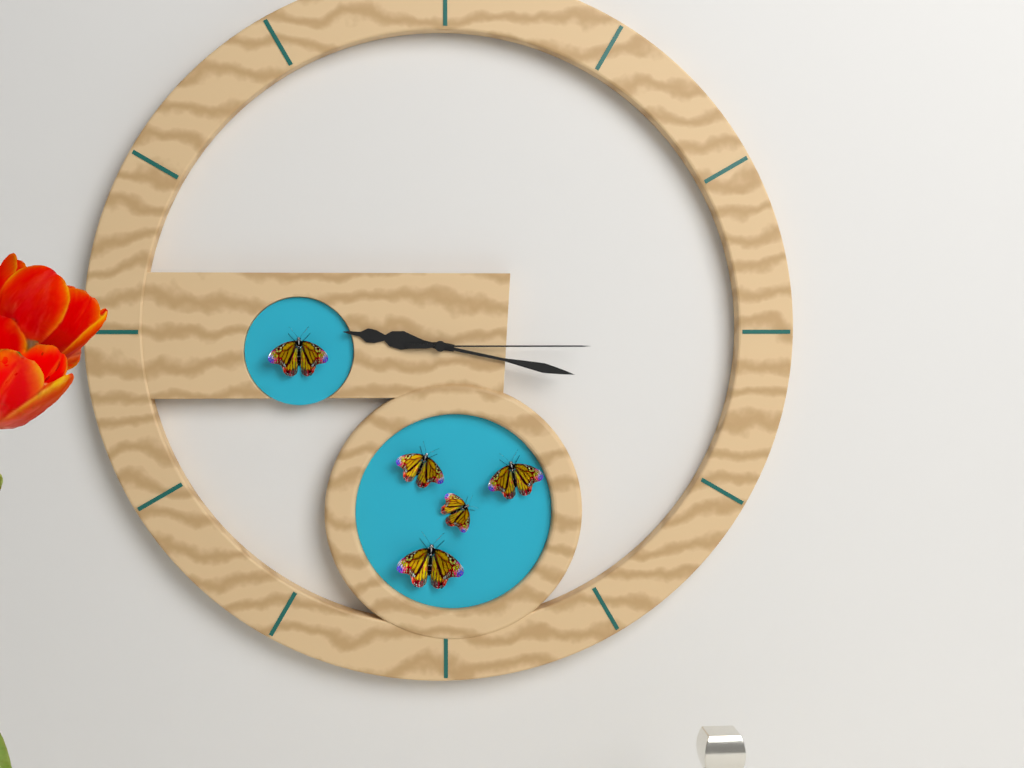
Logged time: 9,17,15
